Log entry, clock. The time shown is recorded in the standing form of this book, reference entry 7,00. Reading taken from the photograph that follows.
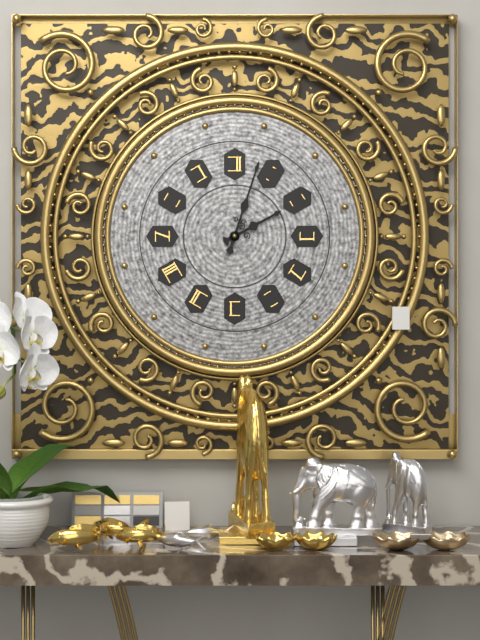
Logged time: 2,03
